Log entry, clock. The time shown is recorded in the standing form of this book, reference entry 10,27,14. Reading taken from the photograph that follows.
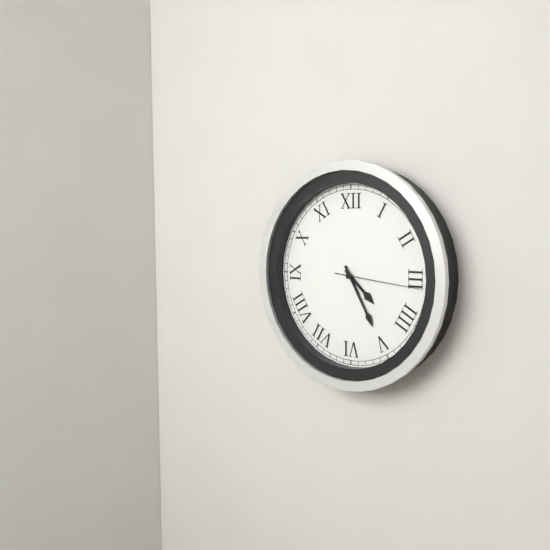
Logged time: 4,25,16
